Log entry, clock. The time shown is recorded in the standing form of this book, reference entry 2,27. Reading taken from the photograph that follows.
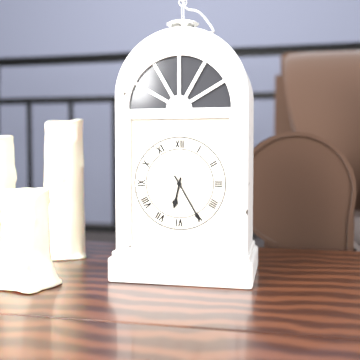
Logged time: 6,25
